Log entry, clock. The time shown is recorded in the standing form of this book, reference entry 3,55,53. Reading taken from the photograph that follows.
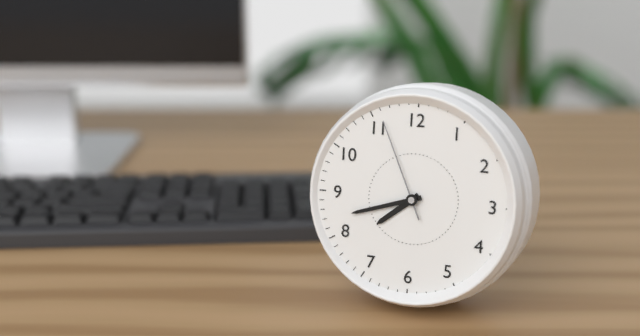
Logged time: 7,42,56
